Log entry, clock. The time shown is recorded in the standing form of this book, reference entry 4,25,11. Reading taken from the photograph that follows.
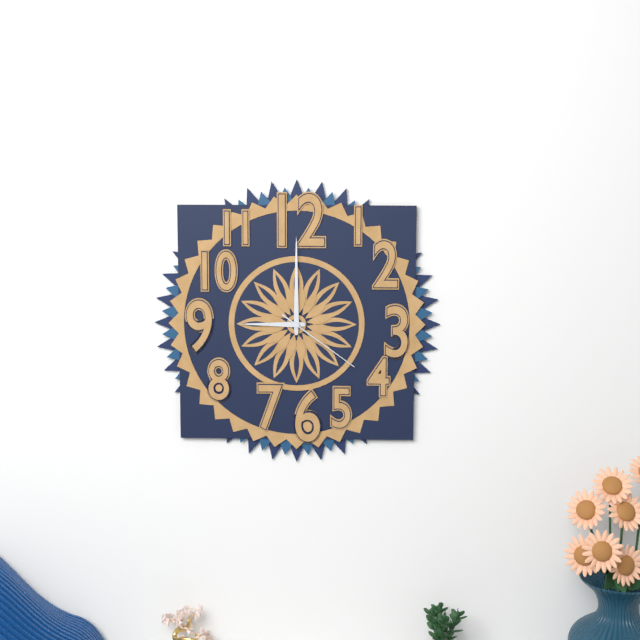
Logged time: 9,00,21
